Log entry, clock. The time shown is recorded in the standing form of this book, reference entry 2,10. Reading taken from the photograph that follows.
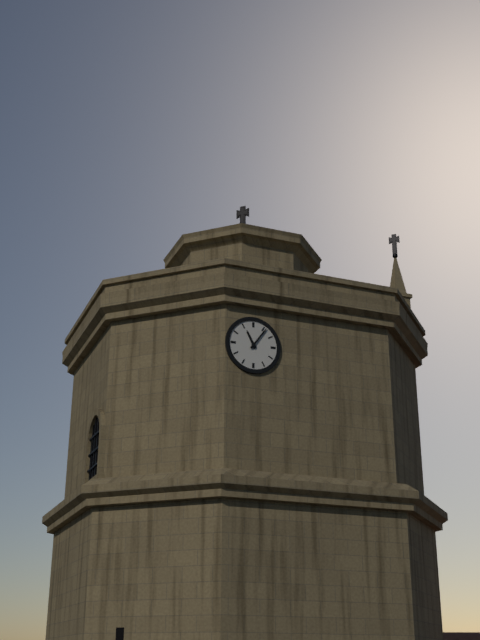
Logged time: 11,06
